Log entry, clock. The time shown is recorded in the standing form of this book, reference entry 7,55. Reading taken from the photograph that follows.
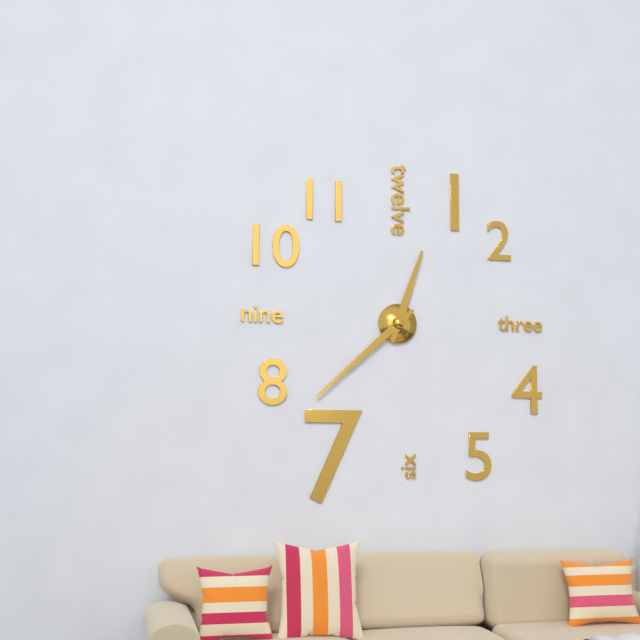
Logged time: 12,38
